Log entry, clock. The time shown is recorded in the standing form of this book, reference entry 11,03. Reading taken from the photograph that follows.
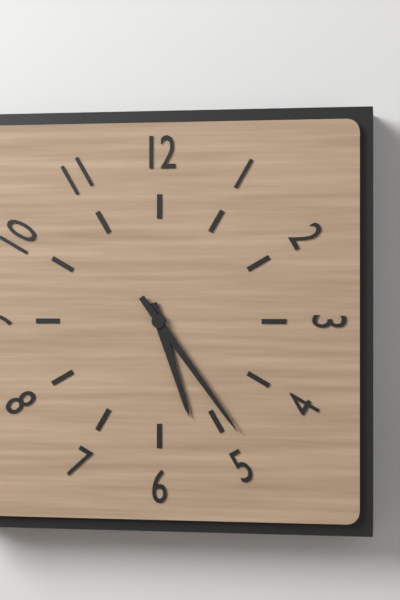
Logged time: 5,24
